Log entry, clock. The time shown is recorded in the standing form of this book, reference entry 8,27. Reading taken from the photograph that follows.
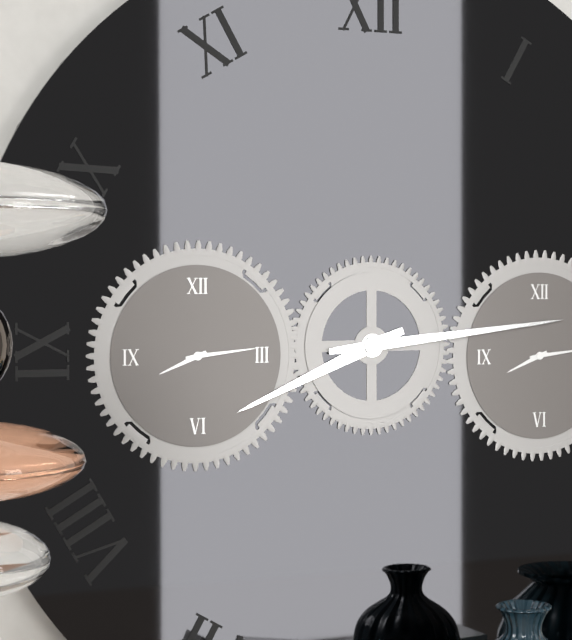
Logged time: 8,14
